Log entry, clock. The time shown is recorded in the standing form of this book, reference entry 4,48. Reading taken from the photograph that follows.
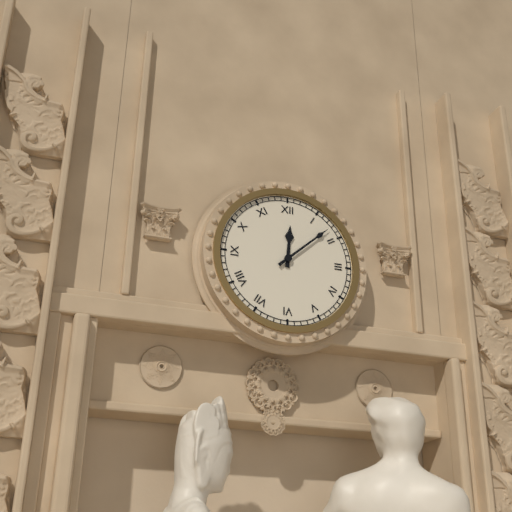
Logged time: 12,08
